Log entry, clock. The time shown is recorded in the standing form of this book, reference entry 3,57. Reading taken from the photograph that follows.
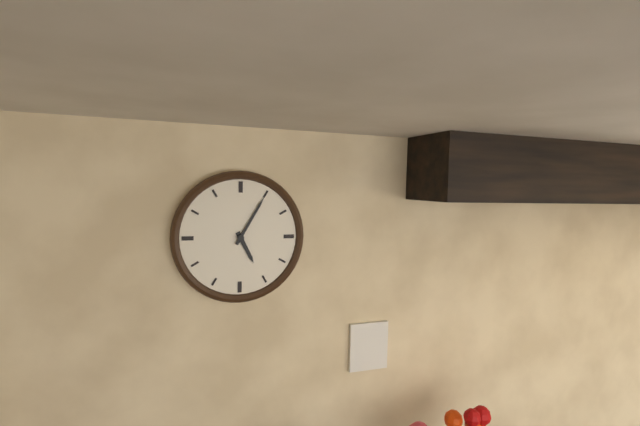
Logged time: 5,05
